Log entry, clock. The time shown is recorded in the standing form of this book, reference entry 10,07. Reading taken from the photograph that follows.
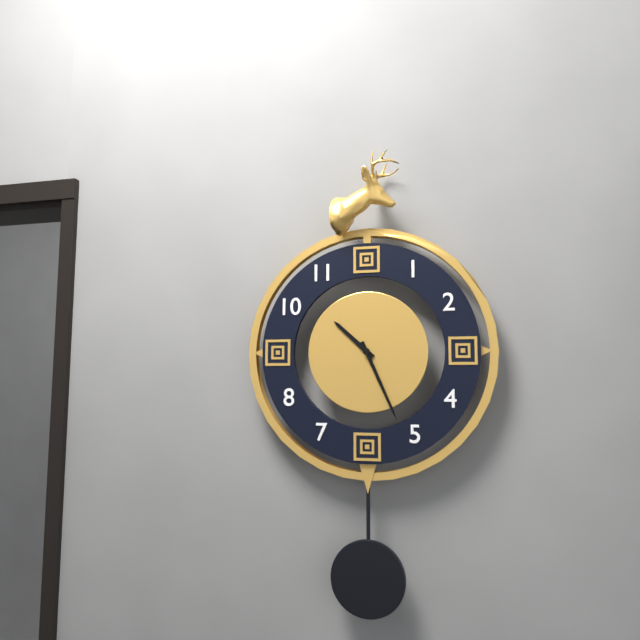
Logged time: 10,26
